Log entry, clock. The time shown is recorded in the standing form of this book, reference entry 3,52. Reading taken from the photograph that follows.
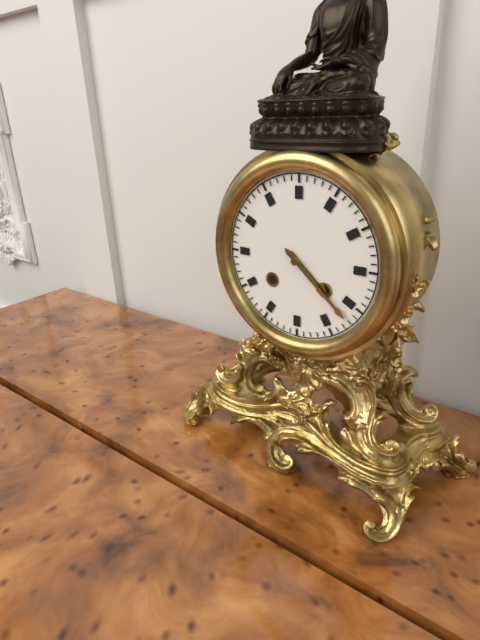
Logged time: 4,22
